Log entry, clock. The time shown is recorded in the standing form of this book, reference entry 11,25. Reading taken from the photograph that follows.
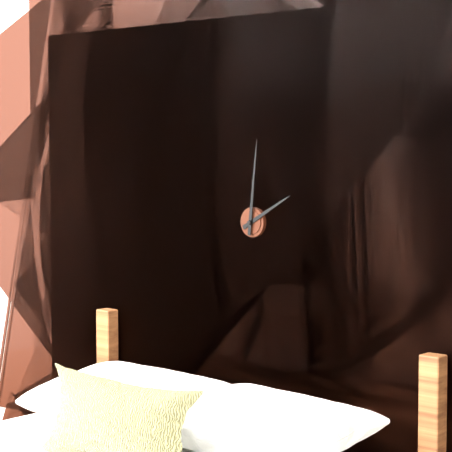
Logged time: 2,01
